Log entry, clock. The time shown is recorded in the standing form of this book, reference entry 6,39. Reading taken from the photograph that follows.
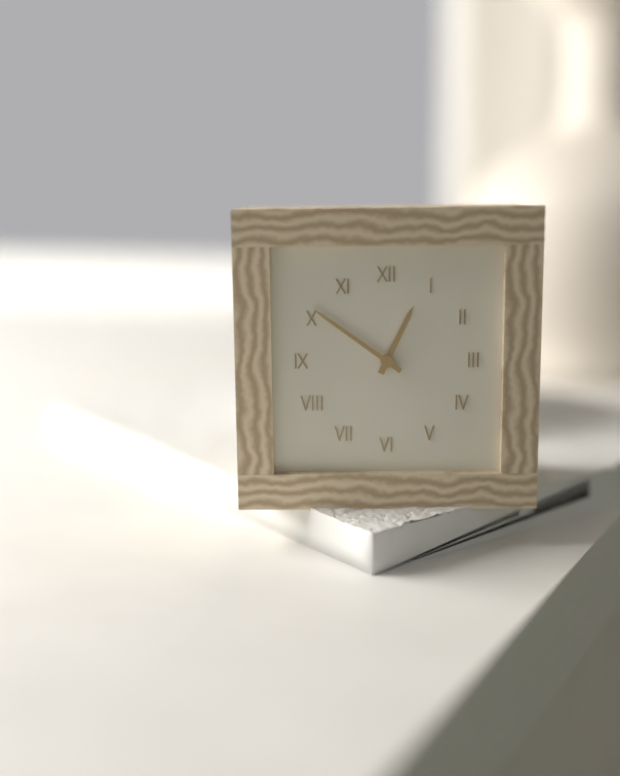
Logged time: 12,51
